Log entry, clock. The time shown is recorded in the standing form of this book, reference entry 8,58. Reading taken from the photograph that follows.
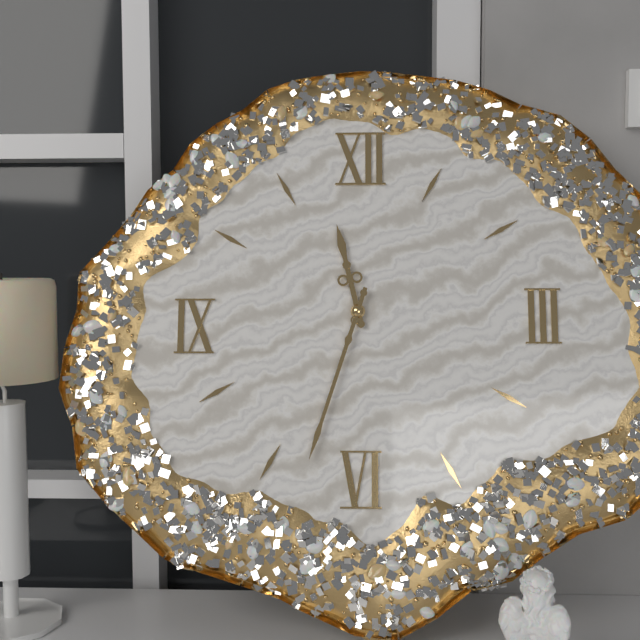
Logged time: 11,33
